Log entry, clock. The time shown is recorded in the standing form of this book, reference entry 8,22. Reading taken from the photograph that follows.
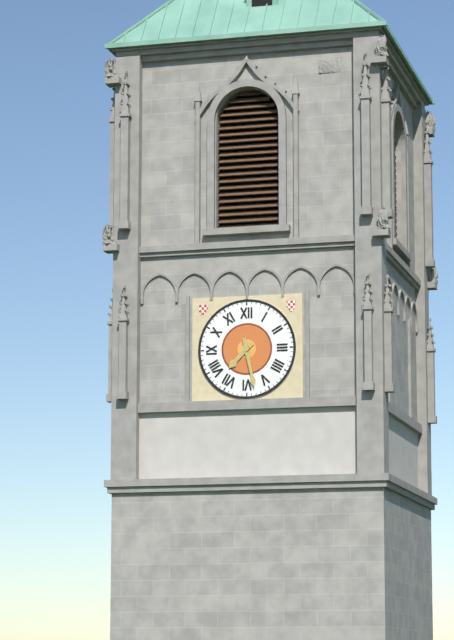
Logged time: 7,28
